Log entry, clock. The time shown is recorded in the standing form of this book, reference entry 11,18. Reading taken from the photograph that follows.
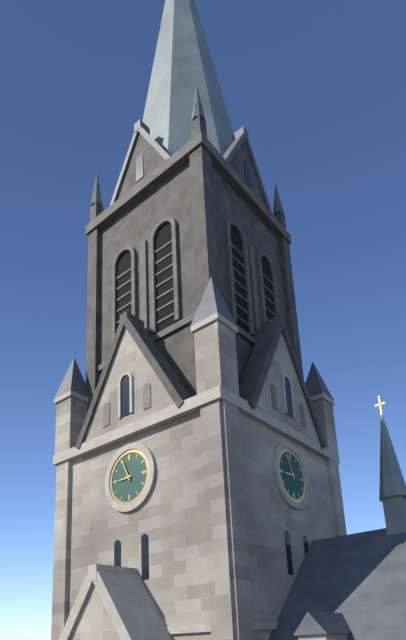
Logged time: 8,56
